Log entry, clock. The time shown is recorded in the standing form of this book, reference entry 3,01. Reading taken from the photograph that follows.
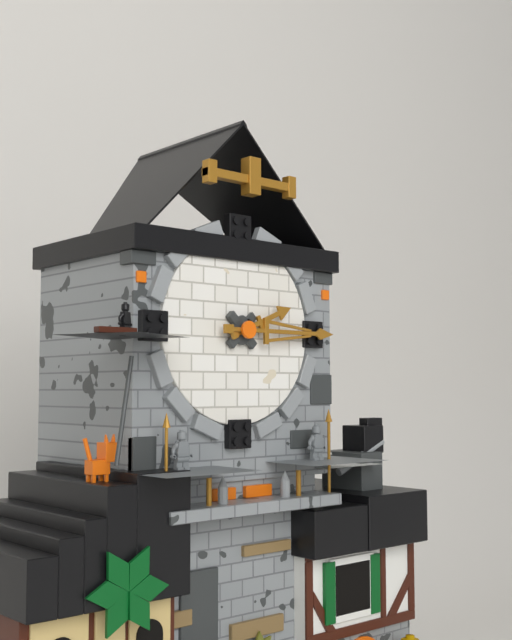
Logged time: 2,15
